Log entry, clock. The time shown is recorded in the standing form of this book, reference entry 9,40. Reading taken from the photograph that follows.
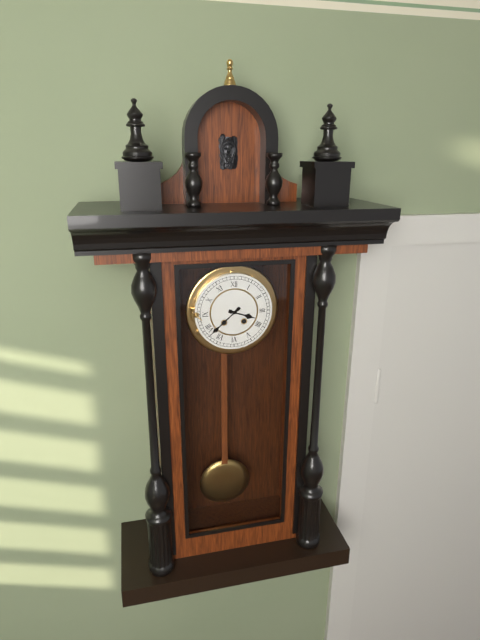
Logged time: 3,38
